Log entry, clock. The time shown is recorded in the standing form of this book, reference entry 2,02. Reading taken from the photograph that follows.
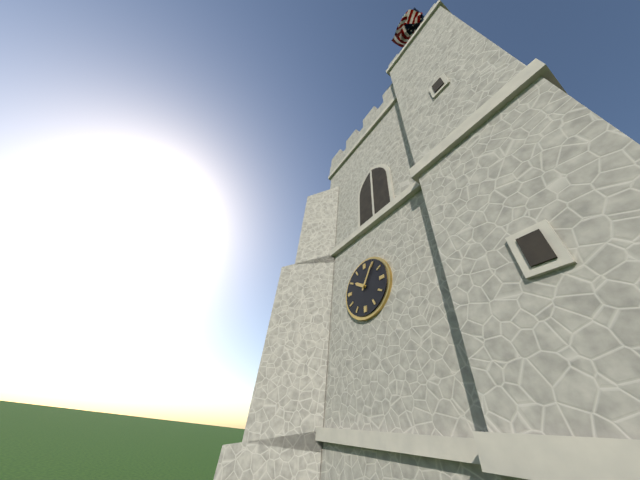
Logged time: 10,05
